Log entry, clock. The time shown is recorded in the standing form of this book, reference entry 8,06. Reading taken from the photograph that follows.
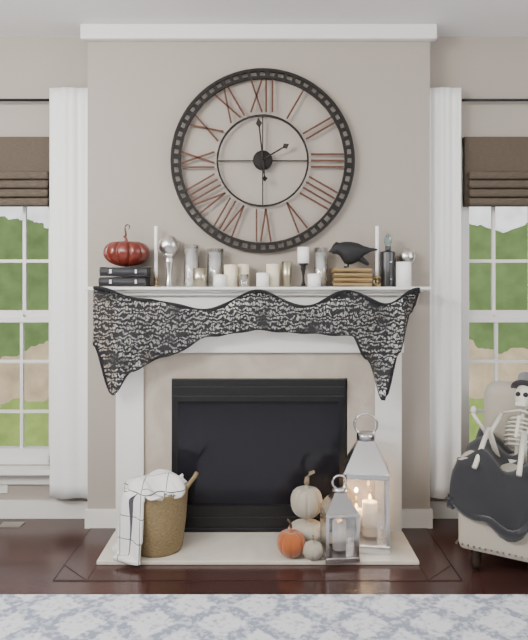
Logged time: 1,59
